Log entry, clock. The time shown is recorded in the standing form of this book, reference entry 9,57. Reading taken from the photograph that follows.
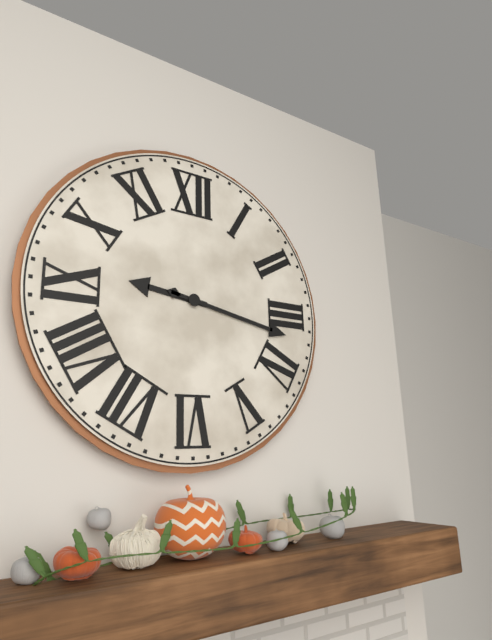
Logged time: 9,17
